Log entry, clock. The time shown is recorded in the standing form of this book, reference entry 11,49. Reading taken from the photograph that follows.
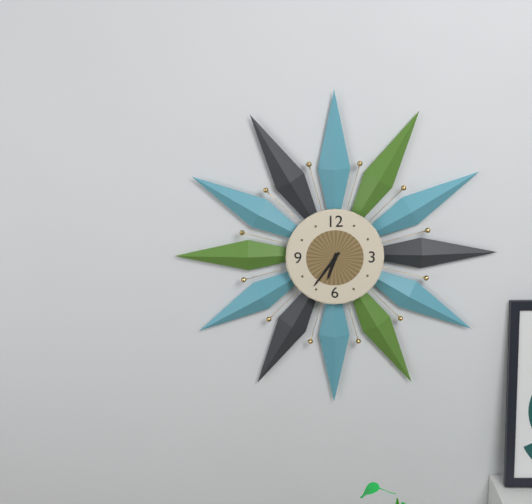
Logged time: 6,36
